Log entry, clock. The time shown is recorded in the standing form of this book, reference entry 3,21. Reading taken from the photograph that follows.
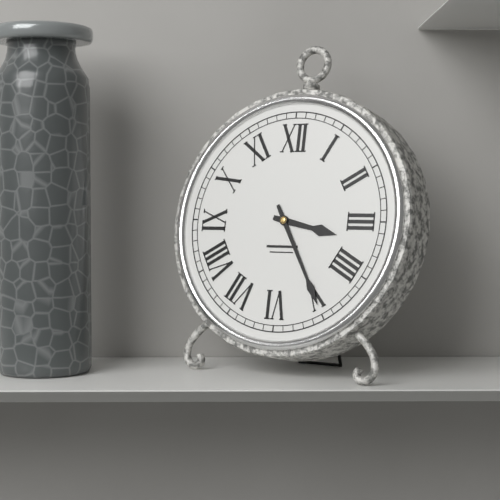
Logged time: 3,25
